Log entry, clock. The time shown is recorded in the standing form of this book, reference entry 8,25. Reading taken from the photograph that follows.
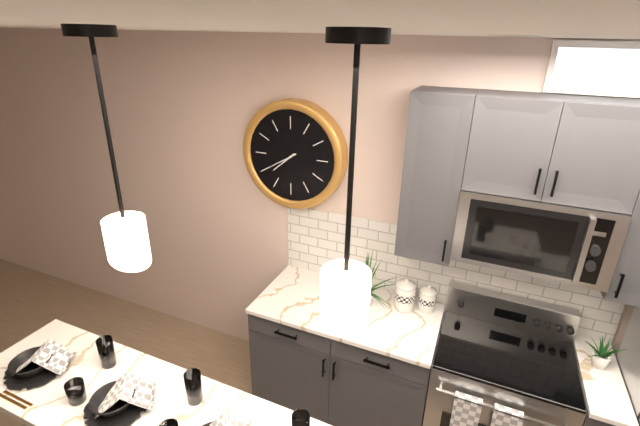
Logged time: 7,40
